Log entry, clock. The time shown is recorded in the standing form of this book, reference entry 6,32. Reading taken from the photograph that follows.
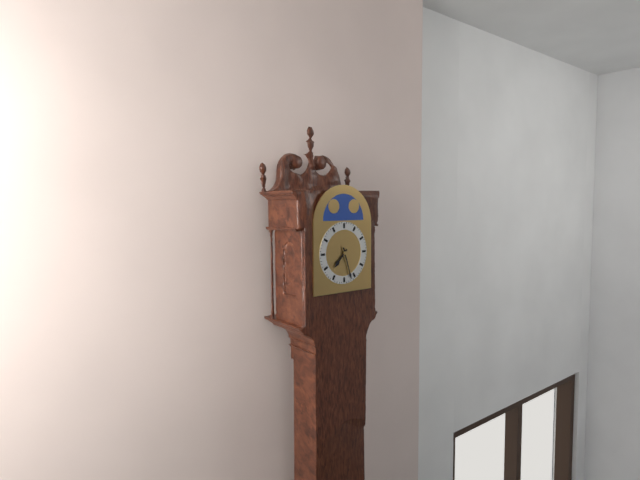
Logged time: 7,27
